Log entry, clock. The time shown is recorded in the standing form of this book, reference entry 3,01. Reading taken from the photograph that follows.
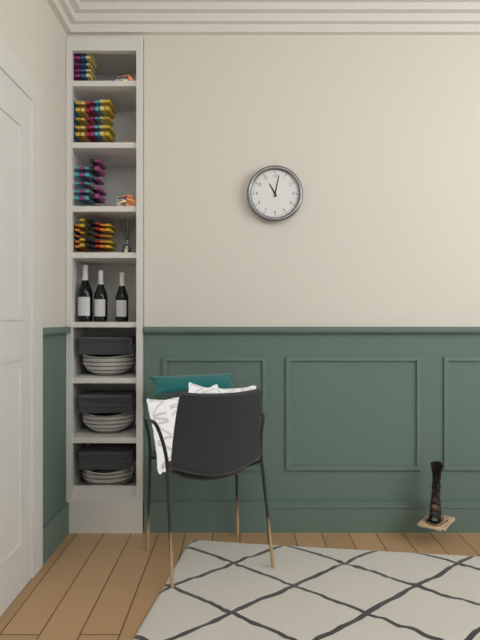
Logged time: 11,02
